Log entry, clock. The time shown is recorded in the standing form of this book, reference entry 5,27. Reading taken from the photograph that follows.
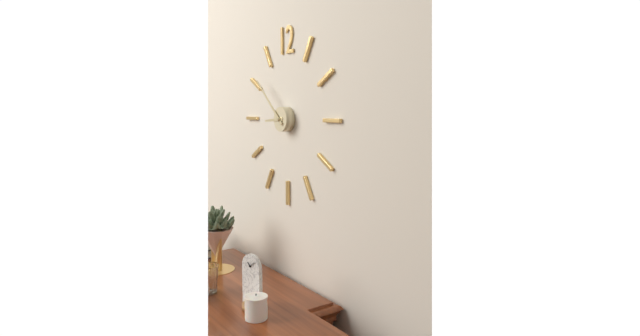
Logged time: 8,52
